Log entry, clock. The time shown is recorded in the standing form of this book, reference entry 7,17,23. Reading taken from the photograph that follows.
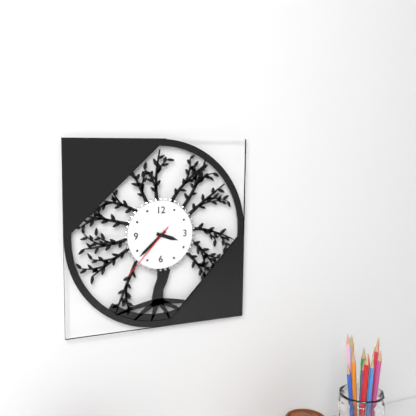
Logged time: 3,38,37
